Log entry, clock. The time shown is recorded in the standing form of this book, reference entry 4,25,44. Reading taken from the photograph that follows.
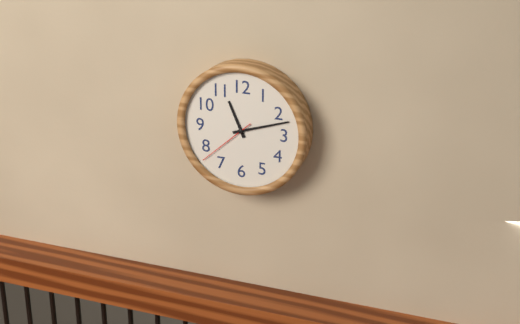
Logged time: 11,12,38
